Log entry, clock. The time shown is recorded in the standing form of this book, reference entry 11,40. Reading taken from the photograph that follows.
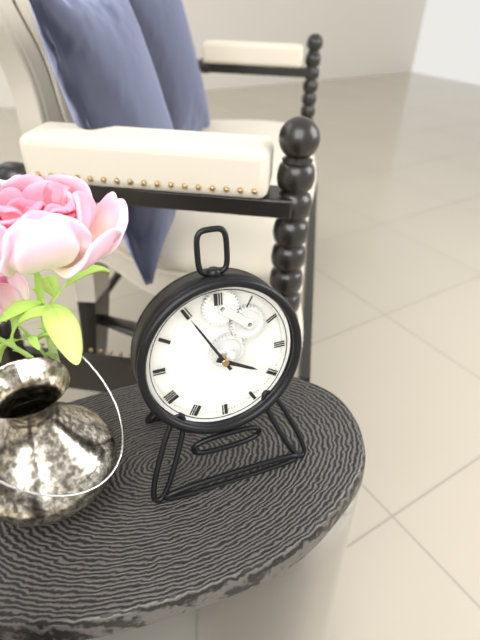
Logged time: 3,55
